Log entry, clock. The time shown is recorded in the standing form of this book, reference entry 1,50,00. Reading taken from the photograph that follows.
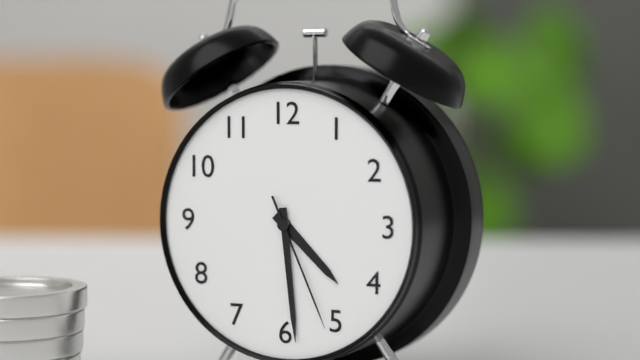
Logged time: 4,29,26
